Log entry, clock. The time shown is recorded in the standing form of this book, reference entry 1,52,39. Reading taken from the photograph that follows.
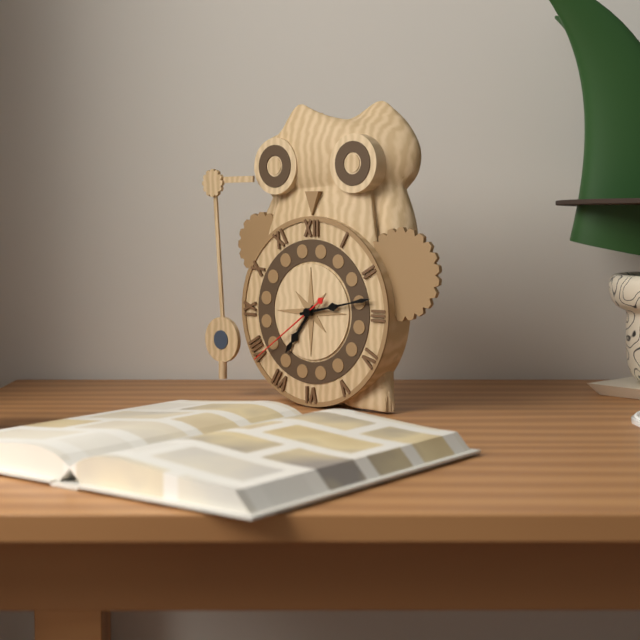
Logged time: 7,13,39
